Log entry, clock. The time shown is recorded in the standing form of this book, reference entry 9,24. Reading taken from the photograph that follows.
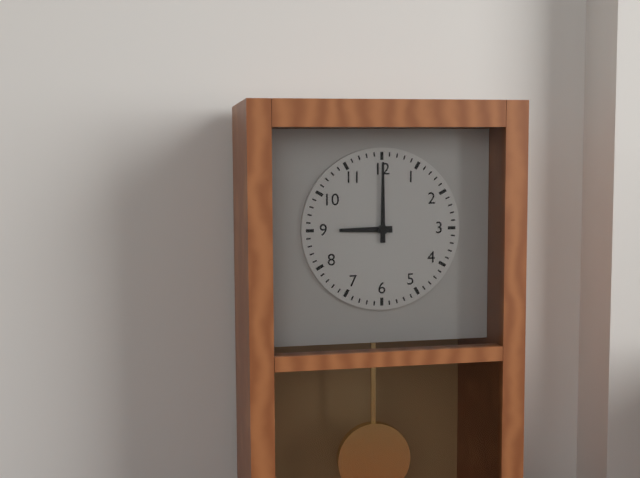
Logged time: 9,00
